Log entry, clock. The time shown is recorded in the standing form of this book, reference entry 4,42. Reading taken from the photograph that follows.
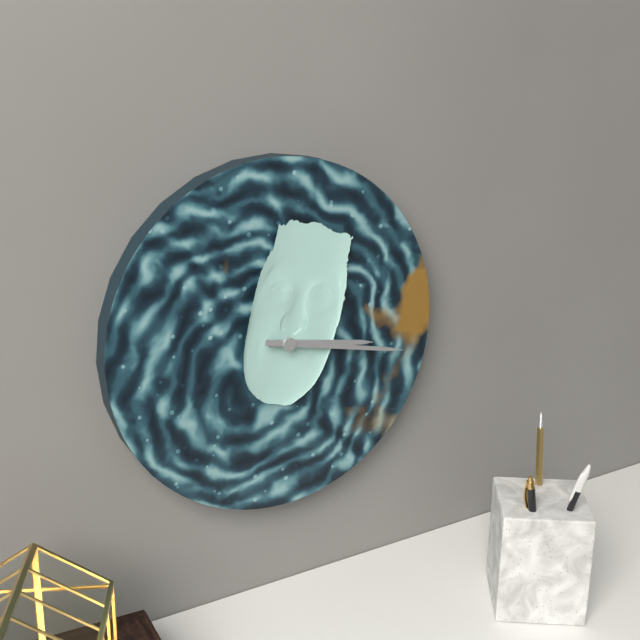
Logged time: 3,17
